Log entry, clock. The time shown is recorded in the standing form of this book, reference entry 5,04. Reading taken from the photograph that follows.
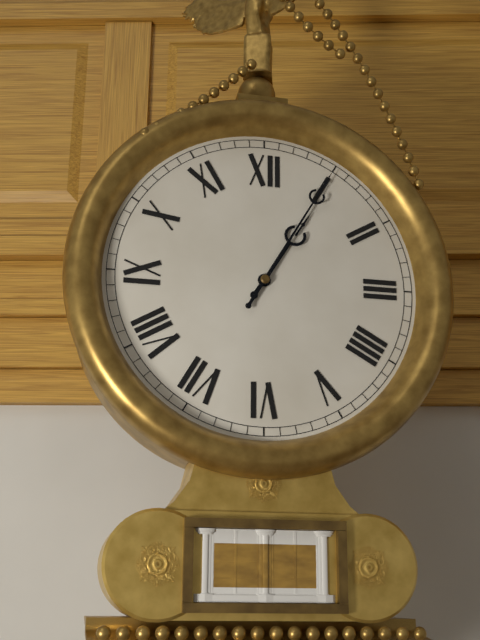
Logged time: 1,05
